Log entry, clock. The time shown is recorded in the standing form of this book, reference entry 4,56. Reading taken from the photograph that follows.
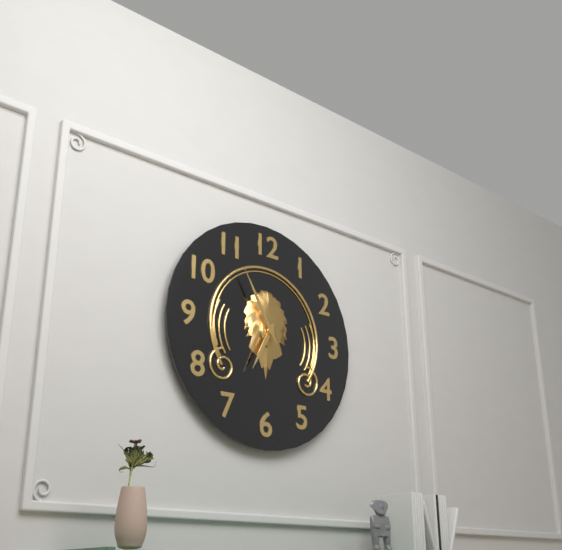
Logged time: 6,55
